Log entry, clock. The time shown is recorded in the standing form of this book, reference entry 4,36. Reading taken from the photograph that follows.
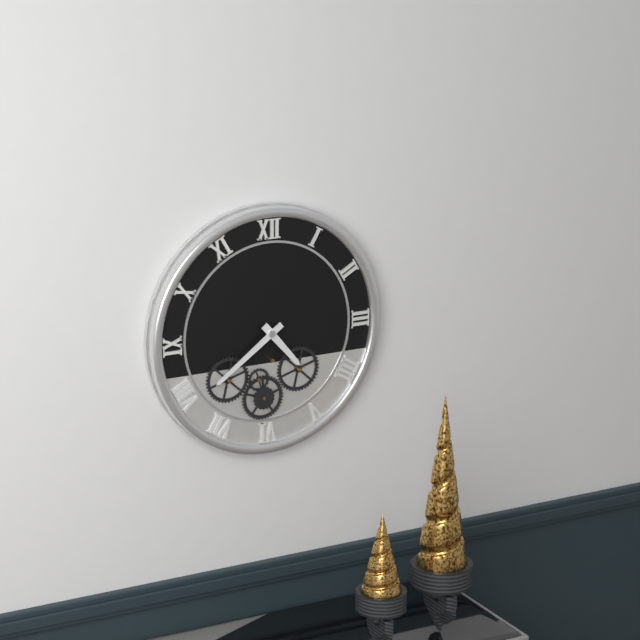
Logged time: 4,39
